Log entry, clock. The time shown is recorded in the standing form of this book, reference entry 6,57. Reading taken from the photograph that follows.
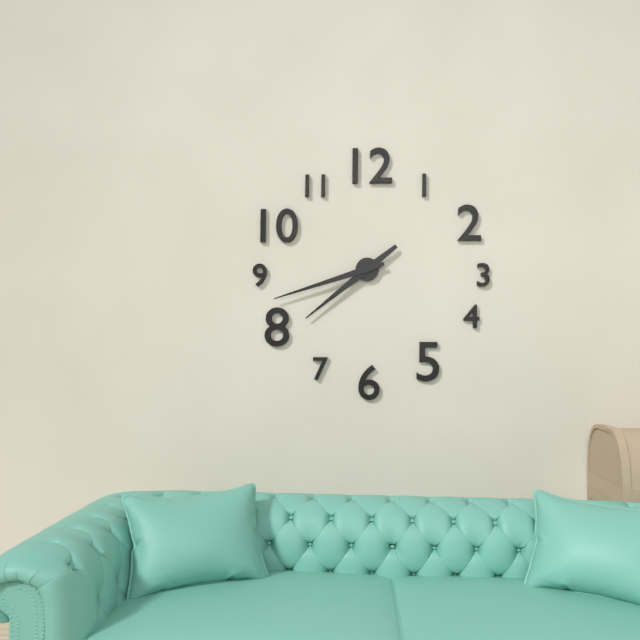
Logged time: 7,42
